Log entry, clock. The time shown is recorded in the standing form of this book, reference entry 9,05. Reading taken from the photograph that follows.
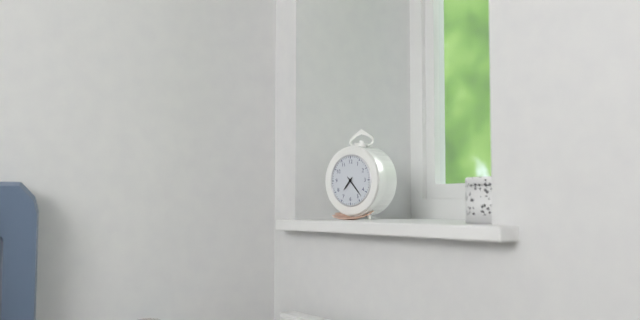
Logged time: 7,23
